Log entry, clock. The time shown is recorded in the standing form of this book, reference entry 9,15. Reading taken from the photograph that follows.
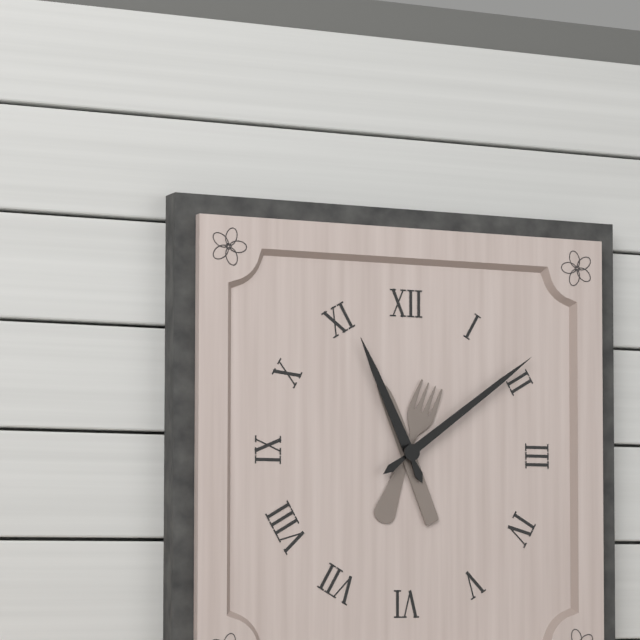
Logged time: 11,09
